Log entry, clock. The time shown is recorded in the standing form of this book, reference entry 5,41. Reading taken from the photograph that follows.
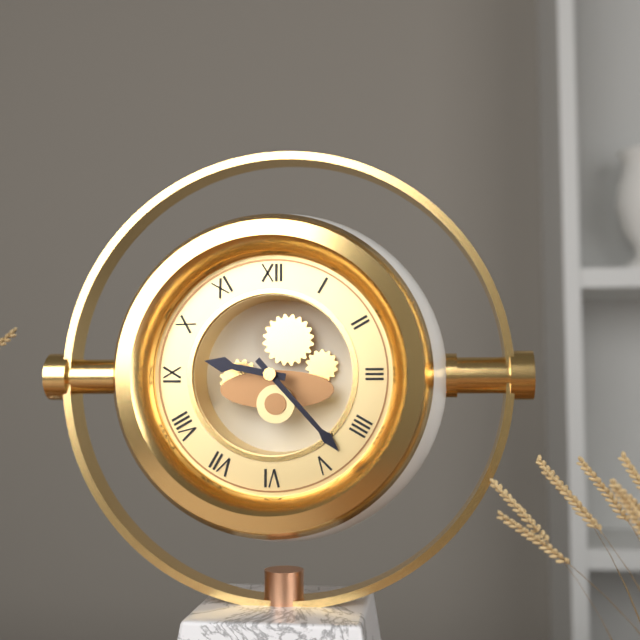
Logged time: 9,23
